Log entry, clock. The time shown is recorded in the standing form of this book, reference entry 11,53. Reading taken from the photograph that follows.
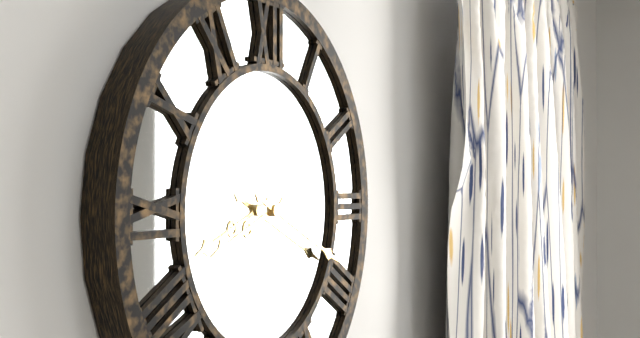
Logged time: 8,19
